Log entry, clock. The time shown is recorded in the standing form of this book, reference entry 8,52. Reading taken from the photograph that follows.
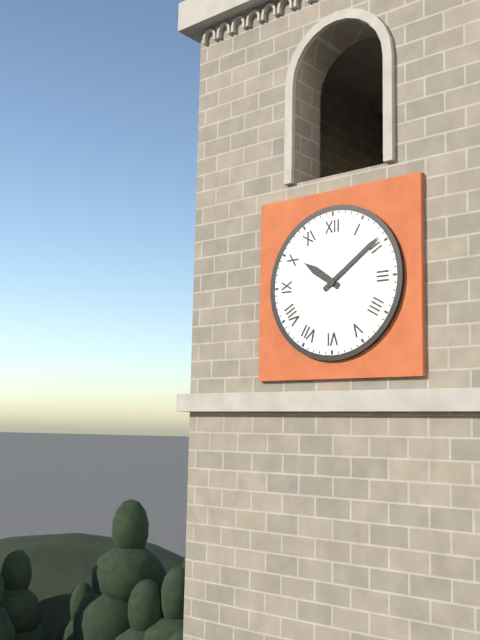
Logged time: 10,09
